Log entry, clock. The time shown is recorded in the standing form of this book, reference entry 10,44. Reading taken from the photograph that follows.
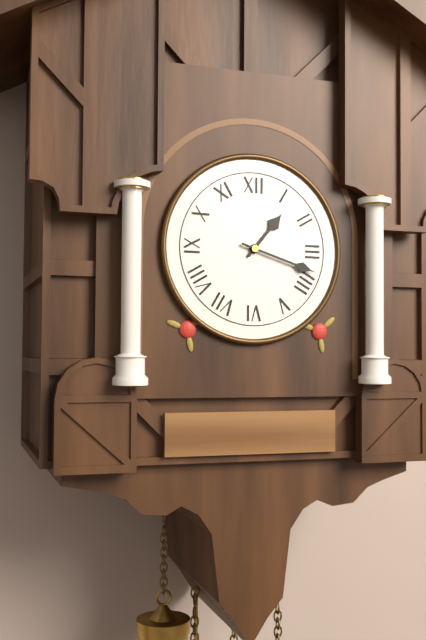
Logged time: 1,18
